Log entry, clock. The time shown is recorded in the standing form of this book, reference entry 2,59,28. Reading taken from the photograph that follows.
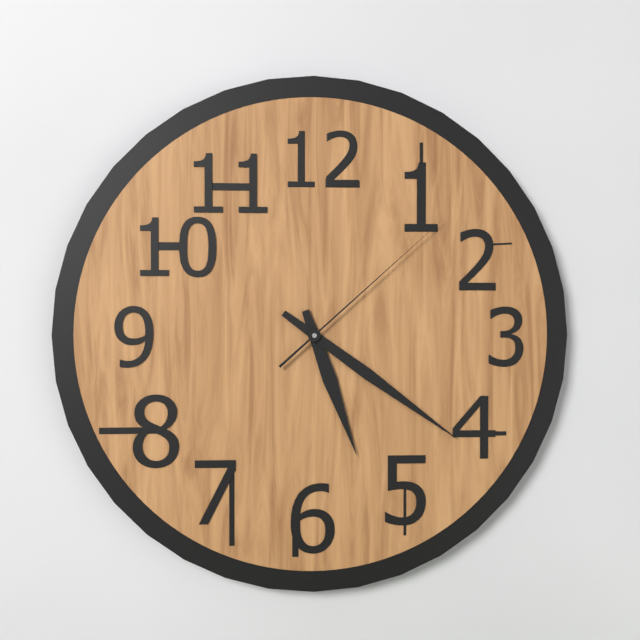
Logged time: 5,21,08
